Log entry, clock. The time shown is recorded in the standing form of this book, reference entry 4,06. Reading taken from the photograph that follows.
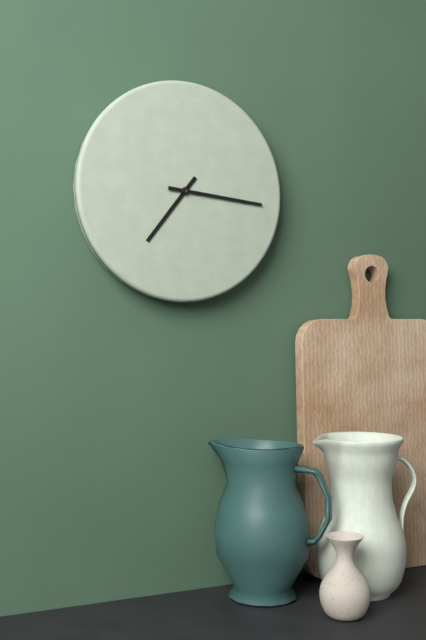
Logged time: 7,16
